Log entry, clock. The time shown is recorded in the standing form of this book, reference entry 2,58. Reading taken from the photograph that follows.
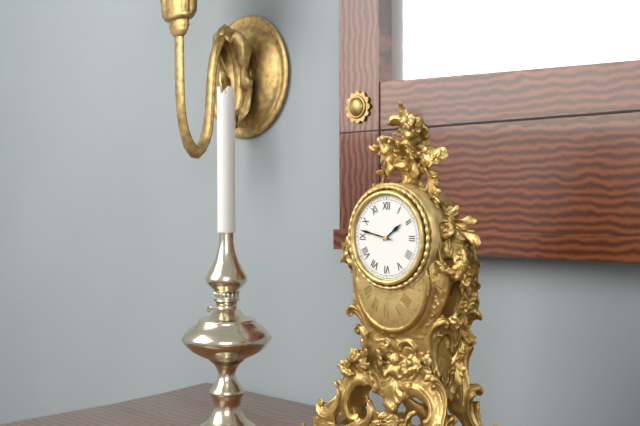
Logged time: 1,47
